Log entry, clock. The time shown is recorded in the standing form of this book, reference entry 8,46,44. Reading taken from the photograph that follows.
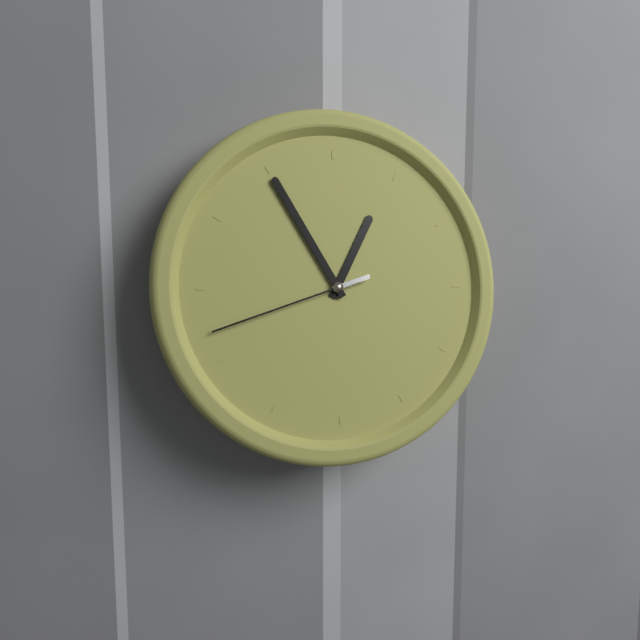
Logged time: 12,55,42
